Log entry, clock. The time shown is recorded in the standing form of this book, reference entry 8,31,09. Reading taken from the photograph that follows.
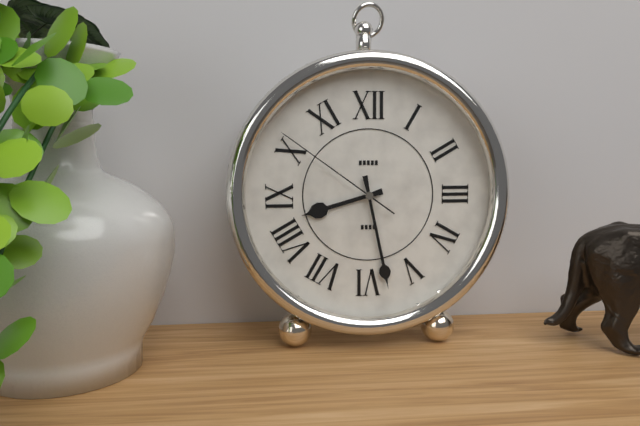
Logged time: 8,28,51
